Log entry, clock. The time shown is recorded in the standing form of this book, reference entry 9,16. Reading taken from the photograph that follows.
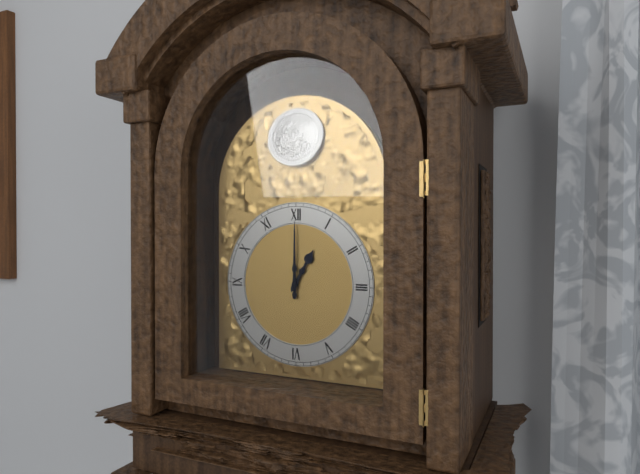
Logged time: 1,00
